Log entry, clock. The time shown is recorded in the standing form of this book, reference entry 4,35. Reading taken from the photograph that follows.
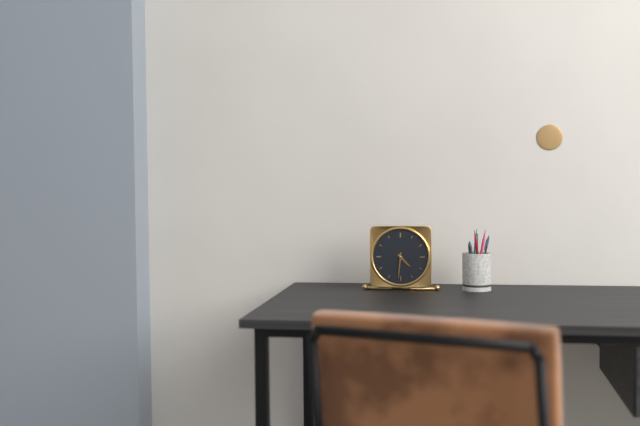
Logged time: 4,31
